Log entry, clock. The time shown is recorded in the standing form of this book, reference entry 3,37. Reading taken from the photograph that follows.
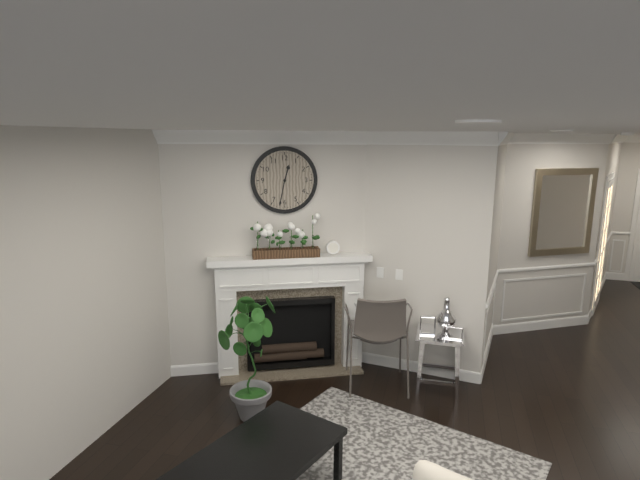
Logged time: 12,32
